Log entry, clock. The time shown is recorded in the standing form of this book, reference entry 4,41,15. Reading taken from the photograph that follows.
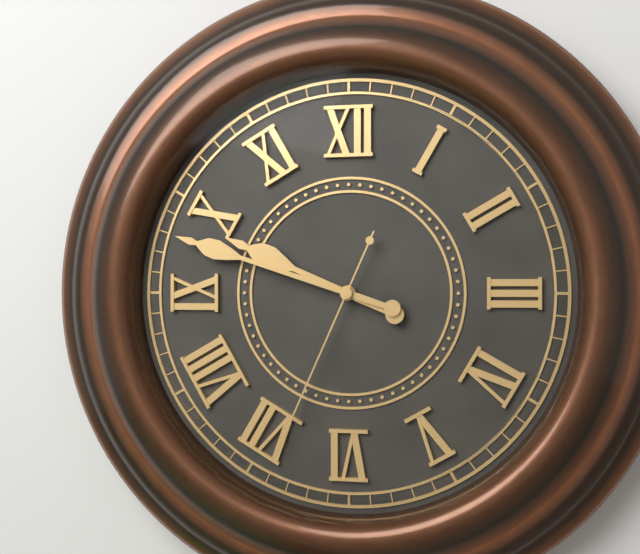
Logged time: 9,48,34
